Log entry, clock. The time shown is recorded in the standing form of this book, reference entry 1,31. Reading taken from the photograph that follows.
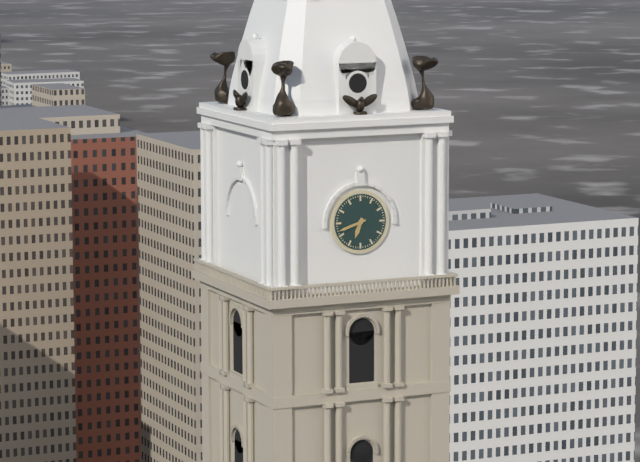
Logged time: 6,42
